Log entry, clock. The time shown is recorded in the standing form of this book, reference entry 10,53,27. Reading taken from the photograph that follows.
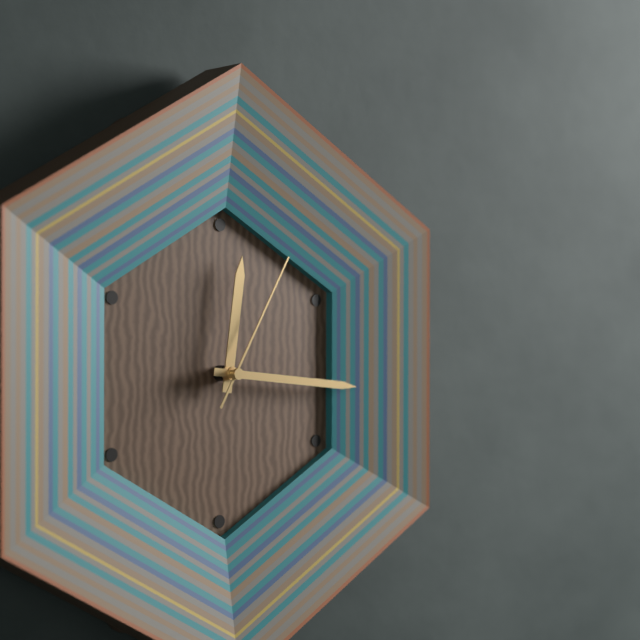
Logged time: 12,16,05
